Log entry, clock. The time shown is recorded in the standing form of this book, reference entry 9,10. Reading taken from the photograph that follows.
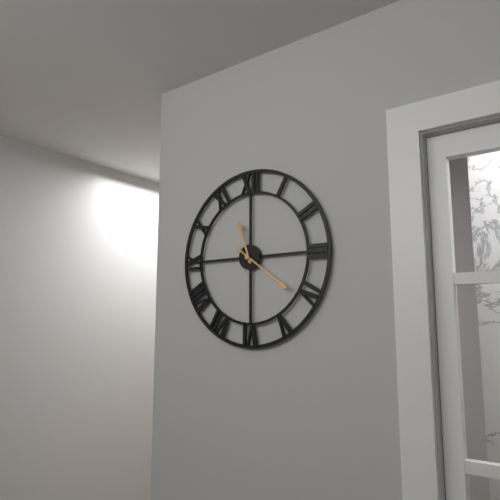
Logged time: 11,21
